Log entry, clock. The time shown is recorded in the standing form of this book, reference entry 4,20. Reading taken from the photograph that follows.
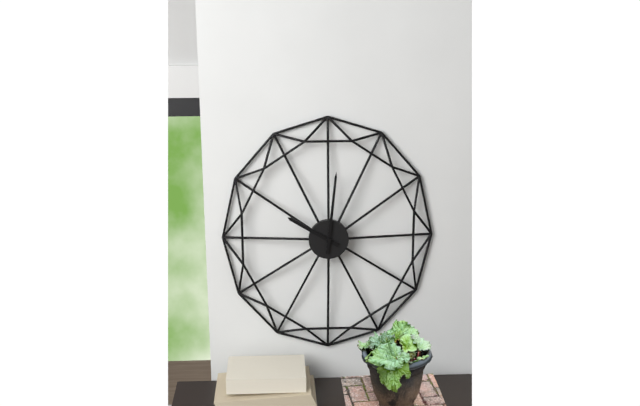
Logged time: 10,01
